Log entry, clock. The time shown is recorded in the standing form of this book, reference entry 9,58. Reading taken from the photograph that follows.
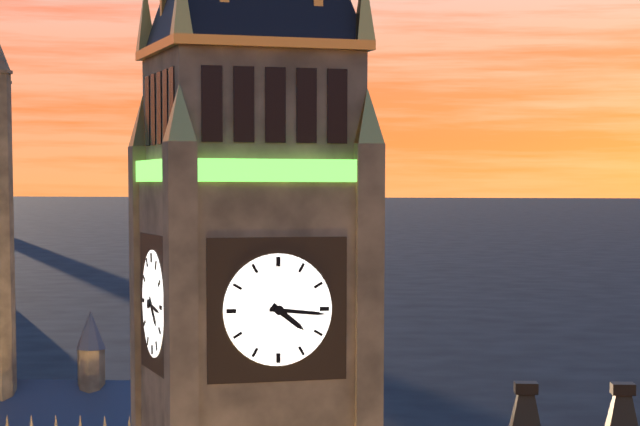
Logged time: 4,16
